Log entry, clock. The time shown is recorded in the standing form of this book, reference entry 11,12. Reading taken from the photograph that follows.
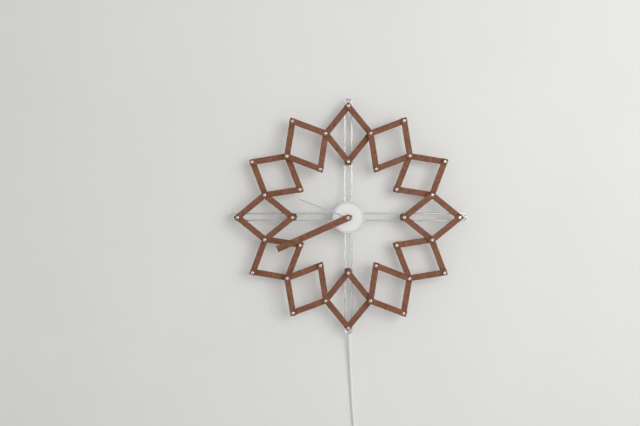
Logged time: 9,41
